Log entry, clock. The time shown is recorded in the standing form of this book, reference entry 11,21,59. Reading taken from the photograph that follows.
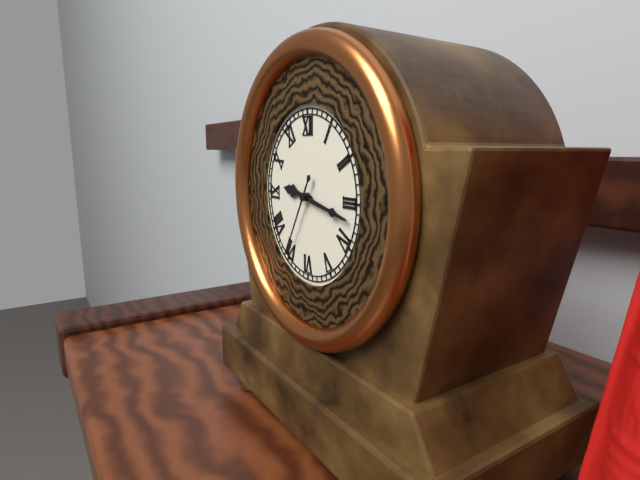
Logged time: 9,17,35
